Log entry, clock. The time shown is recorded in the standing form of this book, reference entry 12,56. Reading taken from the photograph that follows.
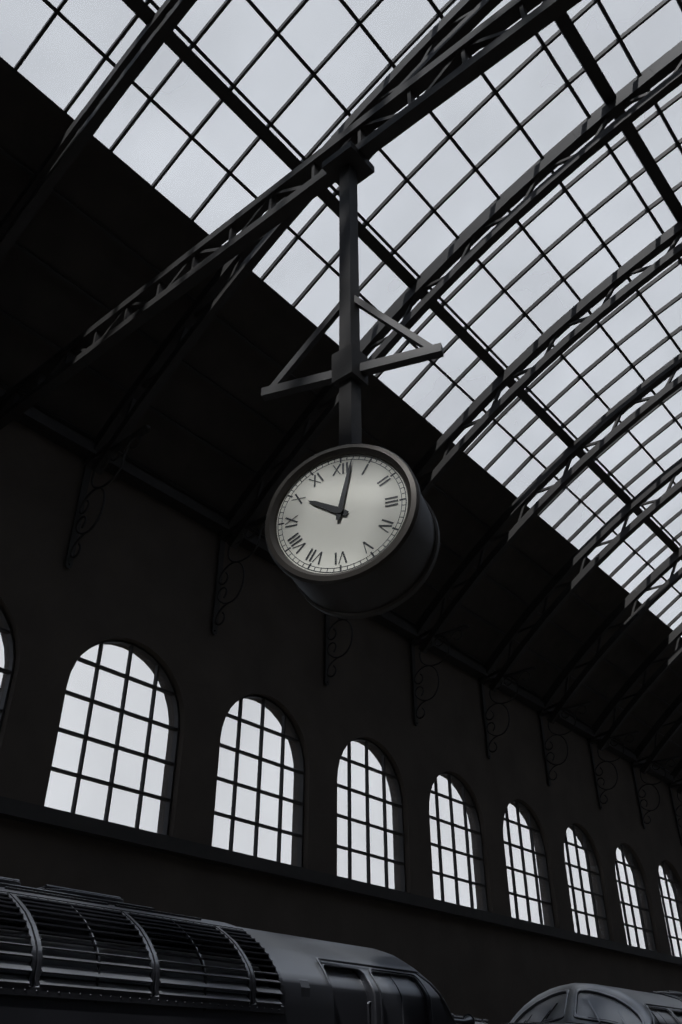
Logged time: 10,02
